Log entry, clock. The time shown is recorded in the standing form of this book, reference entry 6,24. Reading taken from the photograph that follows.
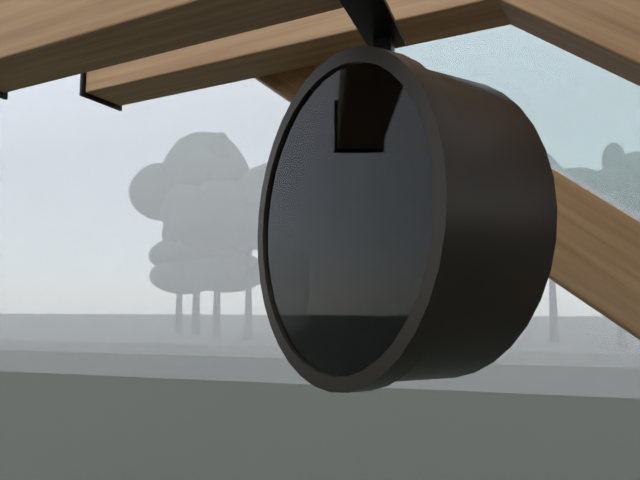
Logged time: 6,57
